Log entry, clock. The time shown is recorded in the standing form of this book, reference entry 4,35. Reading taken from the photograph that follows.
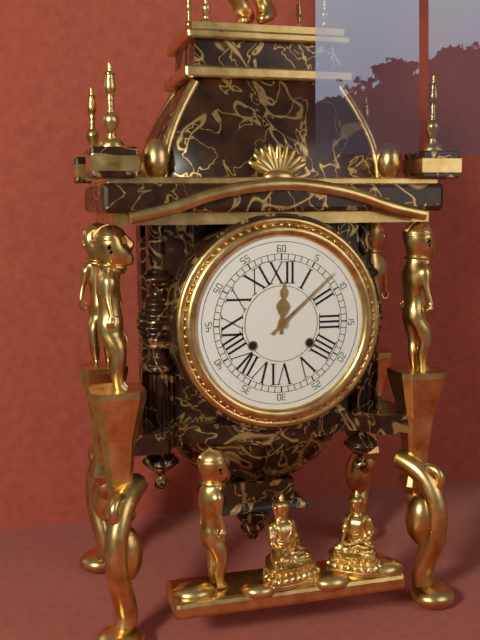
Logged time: 12,08
